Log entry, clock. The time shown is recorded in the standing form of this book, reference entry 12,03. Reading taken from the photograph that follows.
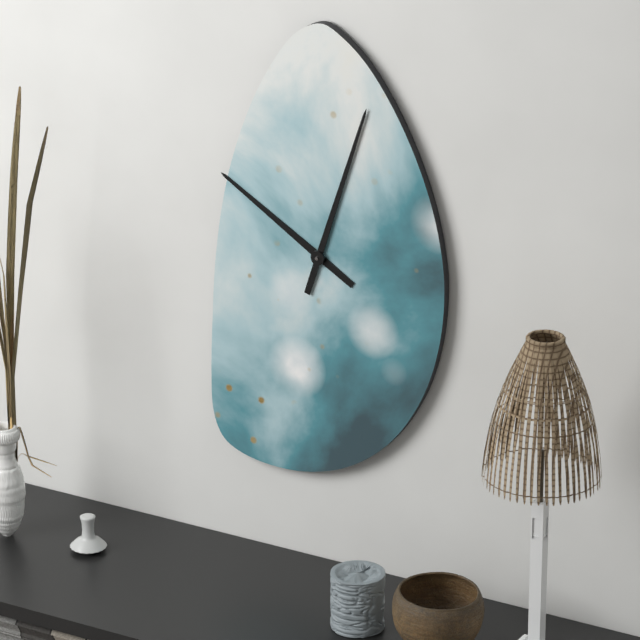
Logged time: 10,03
